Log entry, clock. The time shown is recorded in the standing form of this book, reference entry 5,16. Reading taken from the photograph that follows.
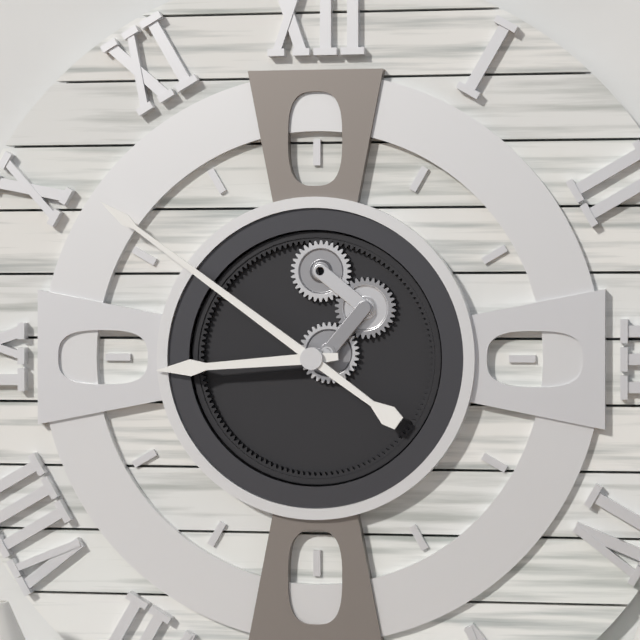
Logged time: 8,51
